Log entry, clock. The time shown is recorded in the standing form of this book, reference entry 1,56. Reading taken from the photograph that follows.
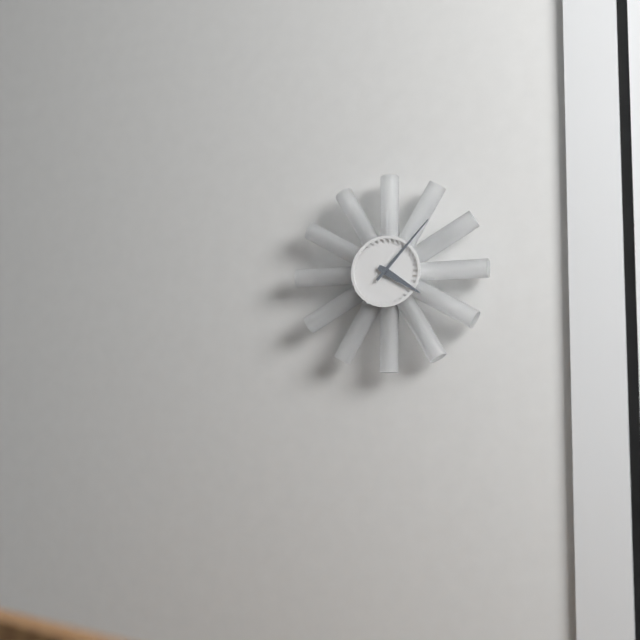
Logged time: 4,07
